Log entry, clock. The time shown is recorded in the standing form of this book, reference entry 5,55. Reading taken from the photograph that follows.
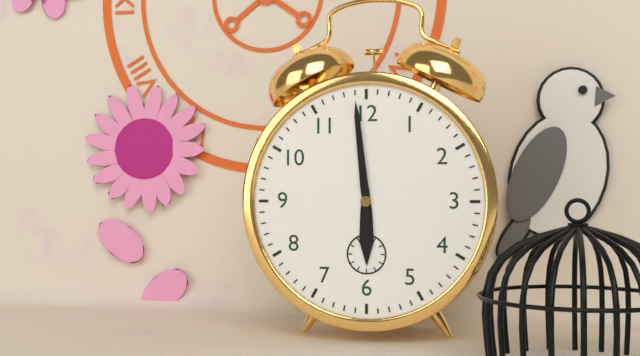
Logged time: 5,59
